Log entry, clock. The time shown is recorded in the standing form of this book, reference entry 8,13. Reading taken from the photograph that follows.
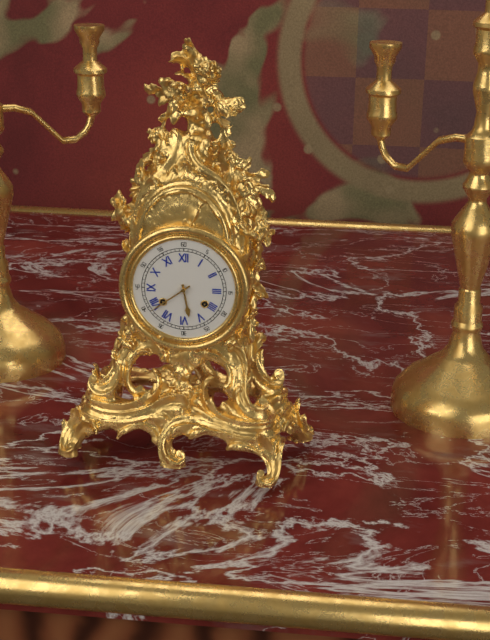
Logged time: 5,39
